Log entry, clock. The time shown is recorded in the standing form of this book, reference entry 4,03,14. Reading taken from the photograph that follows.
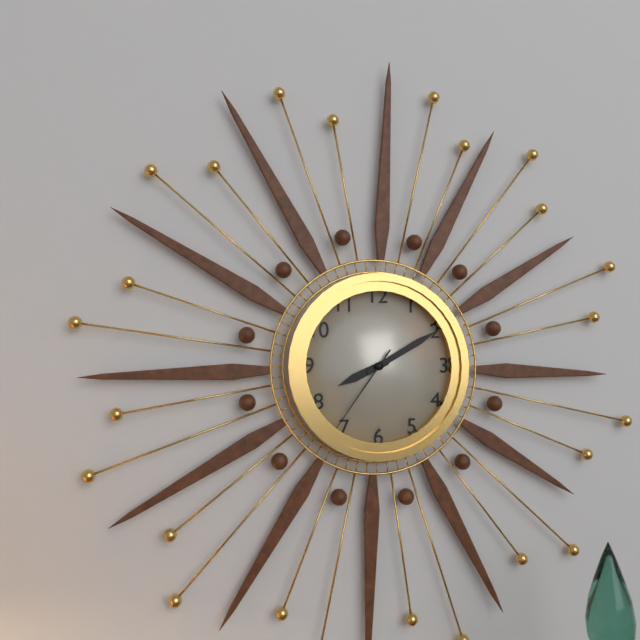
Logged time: 8,10,36
